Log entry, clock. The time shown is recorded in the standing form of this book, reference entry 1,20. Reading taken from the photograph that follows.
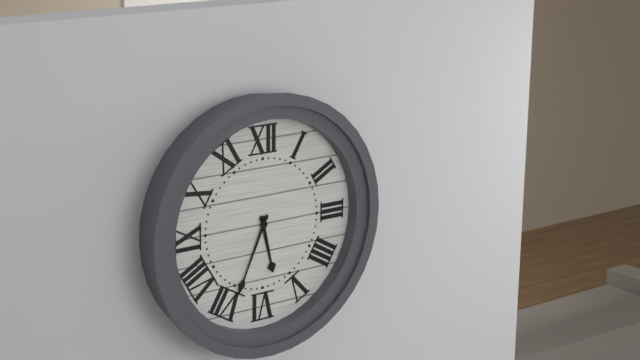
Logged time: 5,34
